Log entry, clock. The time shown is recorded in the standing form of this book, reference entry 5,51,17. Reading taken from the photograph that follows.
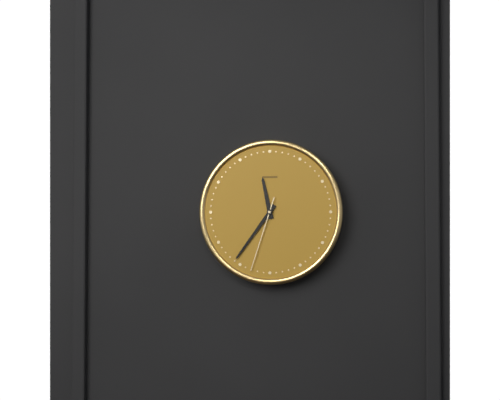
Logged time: 11,36,33
